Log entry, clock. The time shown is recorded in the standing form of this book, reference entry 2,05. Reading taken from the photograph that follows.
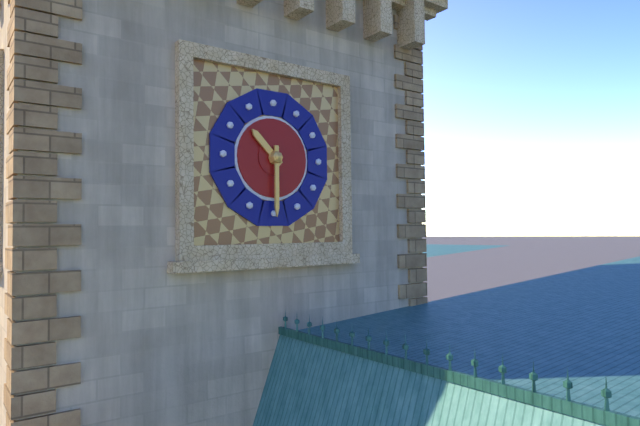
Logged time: 10,30
